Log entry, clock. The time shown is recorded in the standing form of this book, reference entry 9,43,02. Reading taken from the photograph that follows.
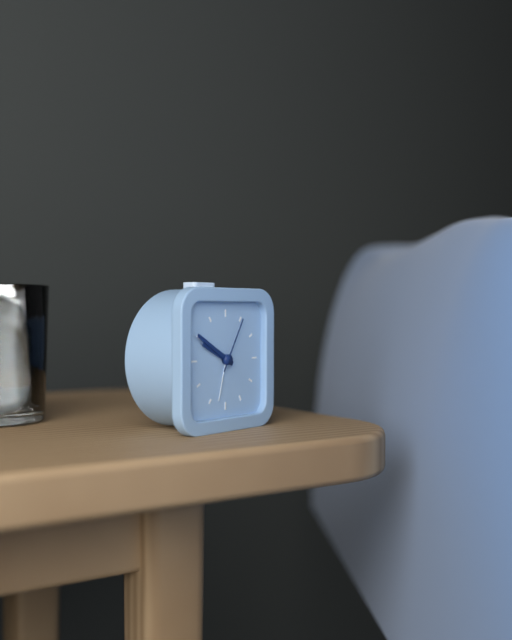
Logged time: 9,50,05
